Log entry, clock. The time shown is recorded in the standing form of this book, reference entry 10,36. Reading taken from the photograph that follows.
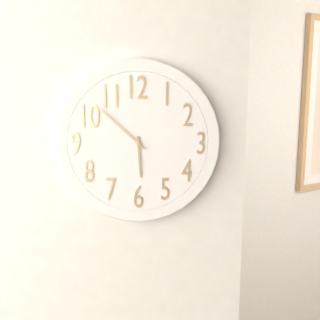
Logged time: 5,52
